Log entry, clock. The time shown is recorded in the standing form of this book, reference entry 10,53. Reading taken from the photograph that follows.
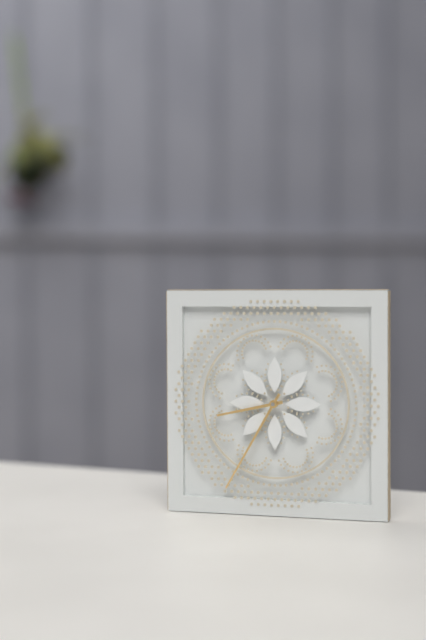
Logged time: 8,35
